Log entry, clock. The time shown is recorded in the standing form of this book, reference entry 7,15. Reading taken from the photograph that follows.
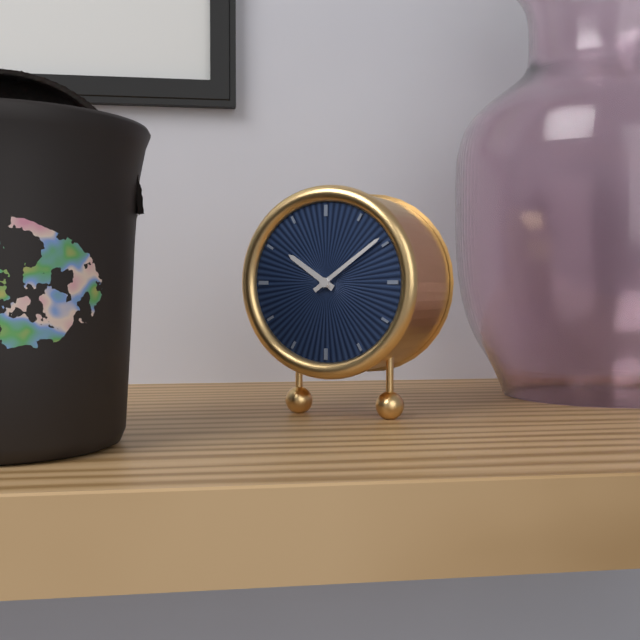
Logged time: 10,09
